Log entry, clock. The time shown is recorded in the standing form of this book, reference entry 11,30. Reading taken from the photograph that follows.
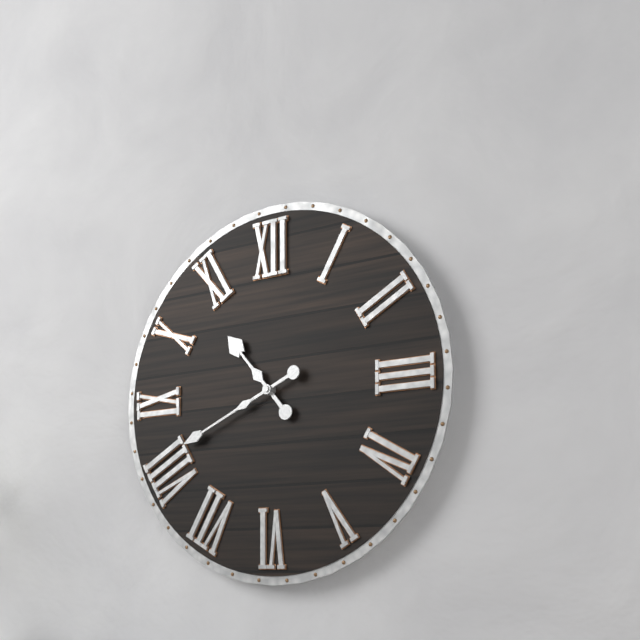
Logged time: 10,41
